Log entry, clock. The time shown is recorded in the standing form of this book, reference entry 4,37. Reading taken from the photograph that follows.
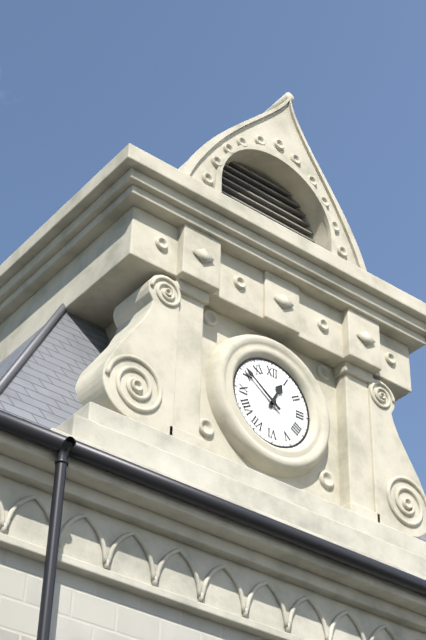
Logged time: 12,51
